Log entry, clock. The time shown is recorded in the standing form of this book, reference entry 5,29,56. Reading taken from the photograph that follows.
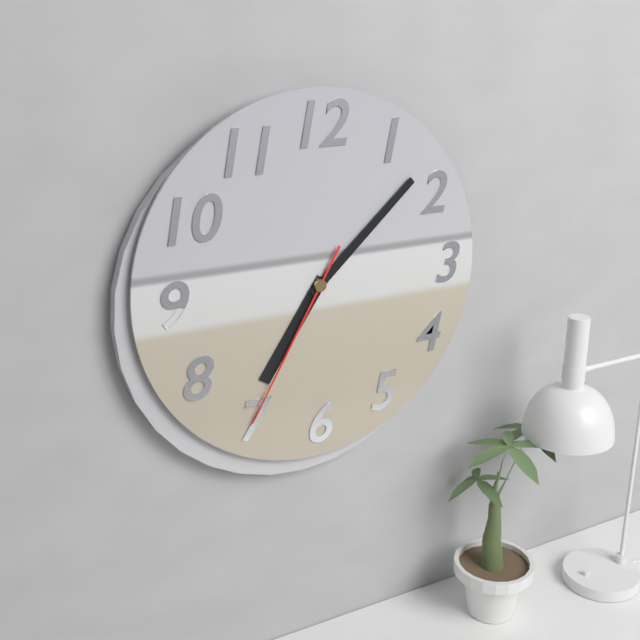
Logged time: 7,08,35
